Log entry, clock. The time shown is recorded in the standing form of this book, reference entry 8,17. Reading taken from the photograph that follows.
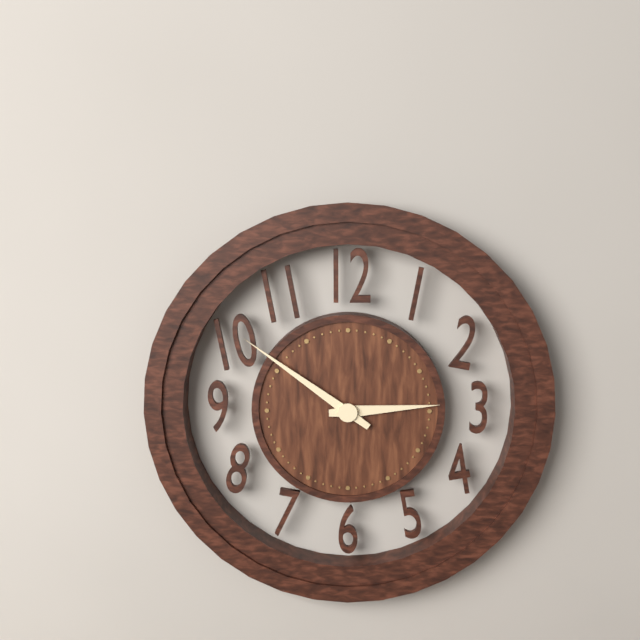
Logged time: 2,51
